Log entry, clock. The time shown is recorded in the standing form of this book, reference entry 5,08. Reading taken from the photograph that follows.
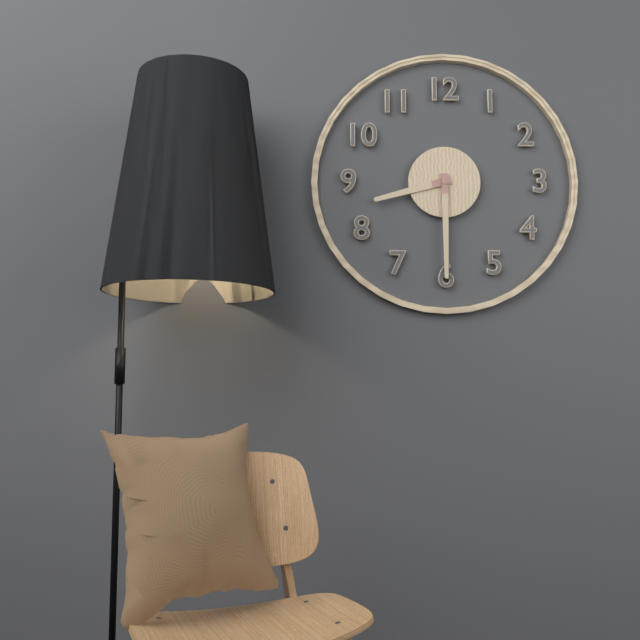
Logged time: 8,30
